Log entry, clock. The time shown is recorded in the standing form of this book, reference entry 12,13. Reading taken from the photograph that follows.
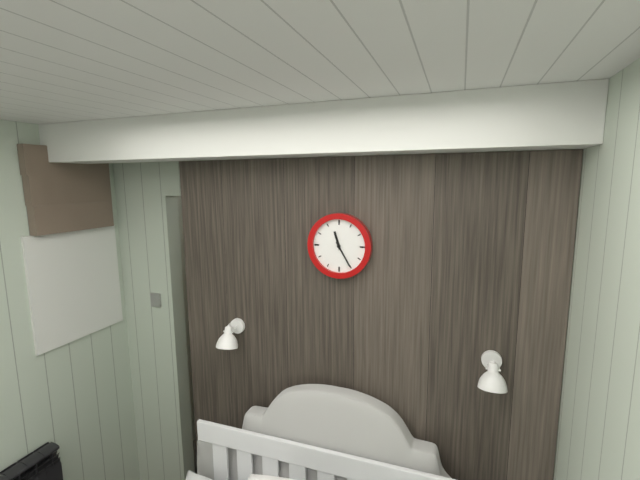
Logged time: 11,25
